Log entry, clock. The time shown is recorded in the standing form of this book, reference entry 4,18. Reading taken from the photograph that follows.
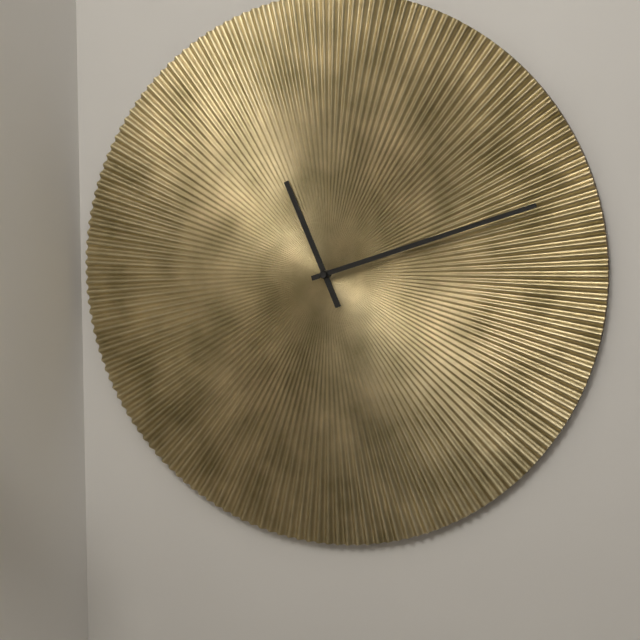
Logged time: 11,12
